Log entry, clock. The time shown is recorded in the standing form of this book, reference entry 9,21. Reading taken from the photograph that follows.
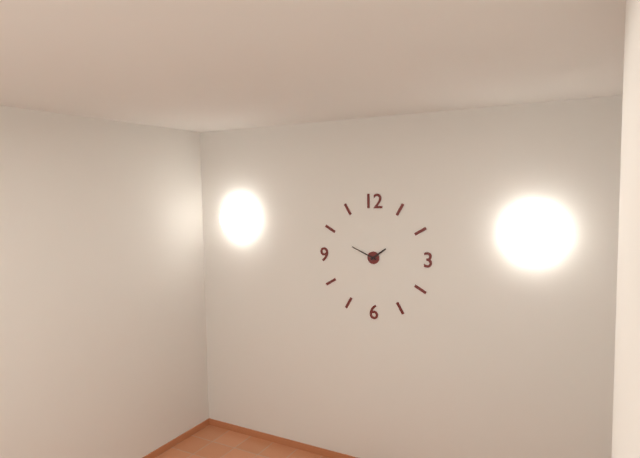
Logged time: 1,49
